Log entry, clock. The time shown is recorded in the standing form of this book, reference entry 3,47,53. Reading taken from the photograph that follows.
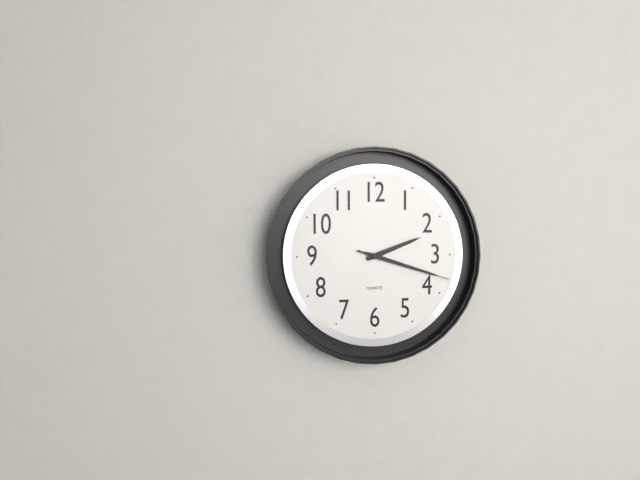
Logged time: 2,18,18
